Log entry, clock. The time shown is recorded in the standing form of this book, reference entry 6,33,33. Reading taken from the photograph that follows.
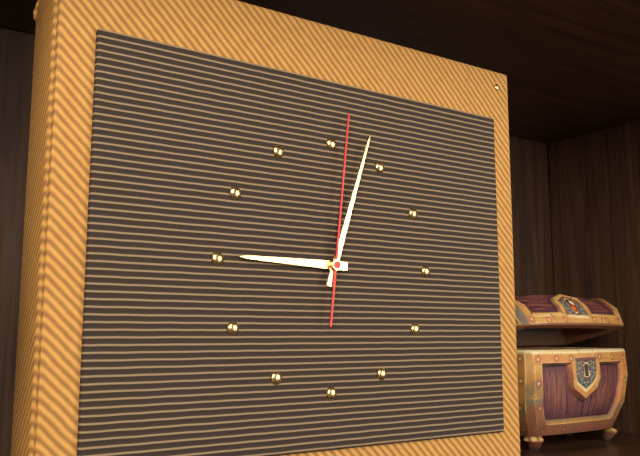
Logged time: 9,03,01
